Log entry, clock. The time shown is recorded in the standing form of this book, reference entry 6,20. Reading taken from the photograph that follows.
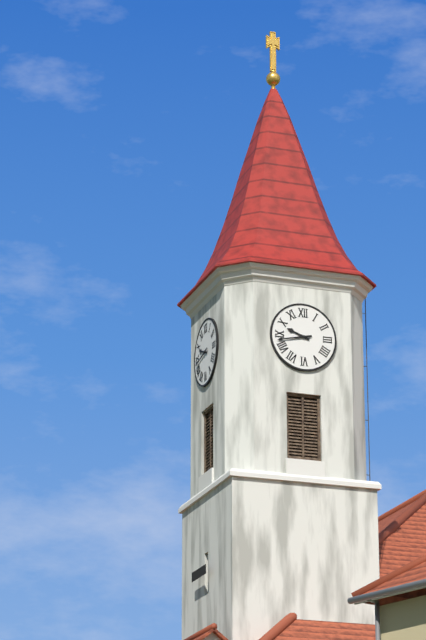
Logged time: 9,43
